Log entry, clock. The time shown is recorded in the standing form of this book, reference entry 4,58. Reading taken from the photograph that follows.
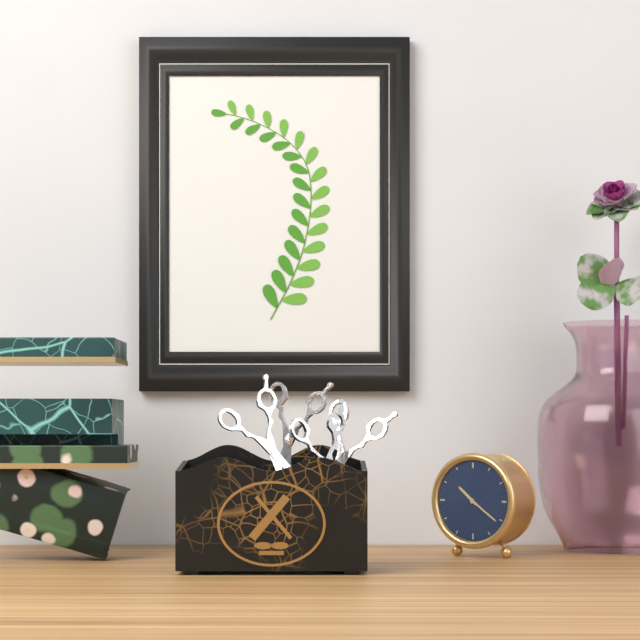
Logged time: 10,21
